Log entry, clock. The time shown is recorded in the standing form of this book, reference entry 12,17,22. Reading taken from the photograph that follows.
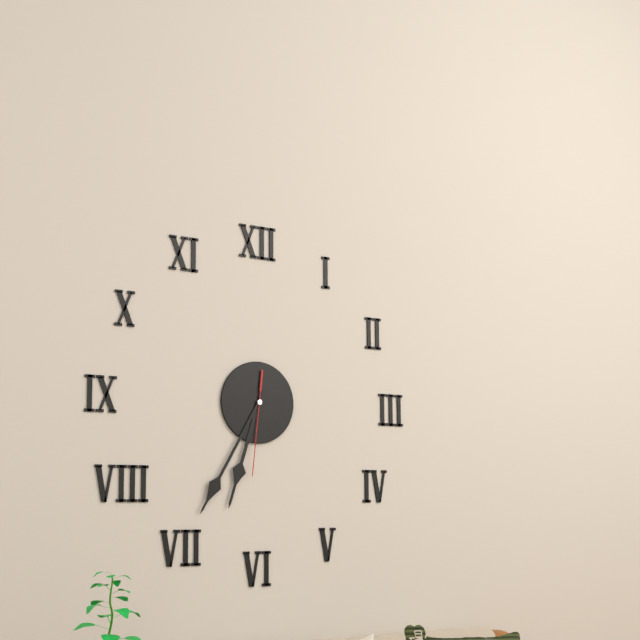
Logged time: 6,35,31
